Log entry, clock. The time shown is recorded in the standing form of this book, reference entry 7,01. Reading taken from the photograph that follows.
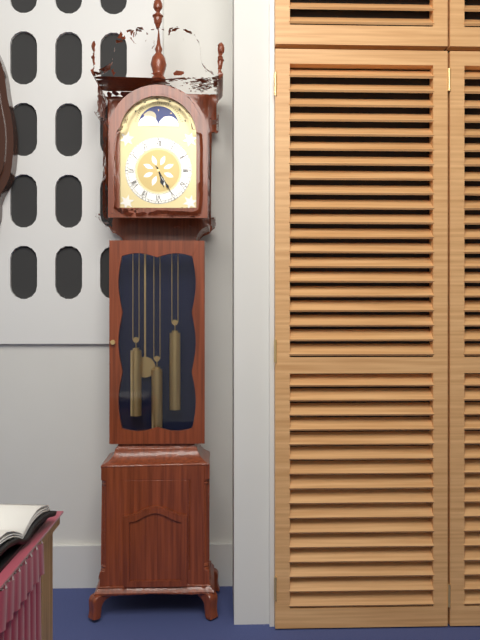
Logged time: 5,25
